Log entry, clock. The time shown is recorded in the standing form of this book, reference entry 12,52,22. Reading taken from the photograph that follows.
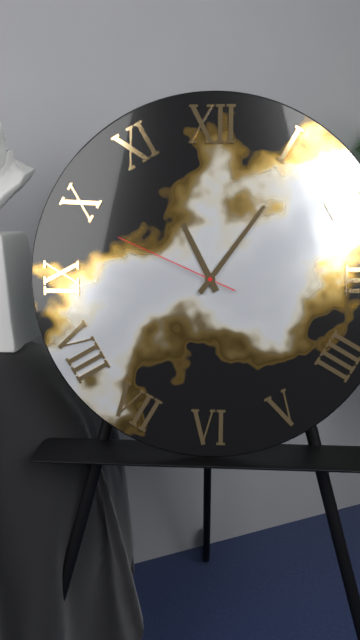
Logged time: 11,06,49
